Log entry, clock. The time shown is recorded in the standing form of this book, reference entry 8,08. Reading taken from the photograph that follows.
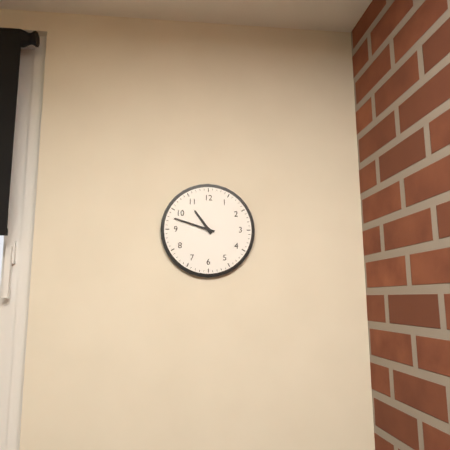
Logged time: 10,48
